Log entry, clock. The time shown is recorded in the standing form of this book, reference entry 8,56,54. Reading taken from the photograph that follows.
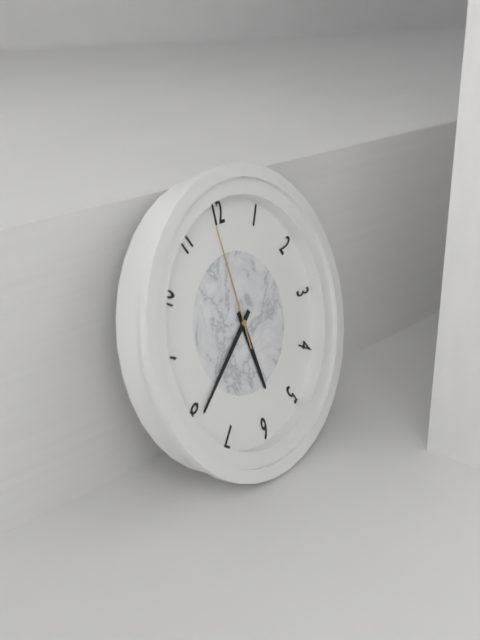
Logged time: 5,39,59
